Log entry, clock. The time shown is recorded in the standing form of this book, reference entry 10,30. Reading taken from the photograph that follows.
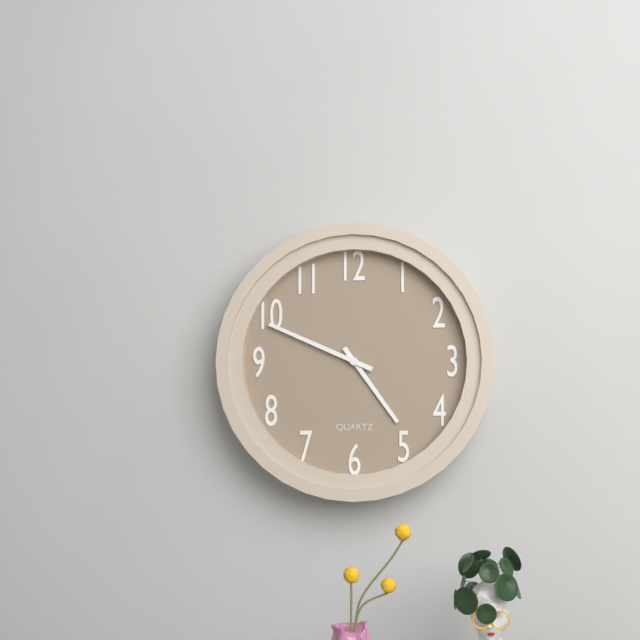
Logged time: 4,49
